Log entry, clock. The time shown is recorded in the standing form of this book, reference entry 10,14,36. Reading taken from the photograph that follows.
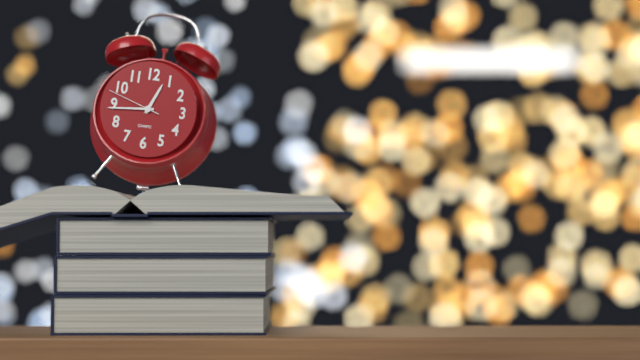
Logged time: 12,44,48
